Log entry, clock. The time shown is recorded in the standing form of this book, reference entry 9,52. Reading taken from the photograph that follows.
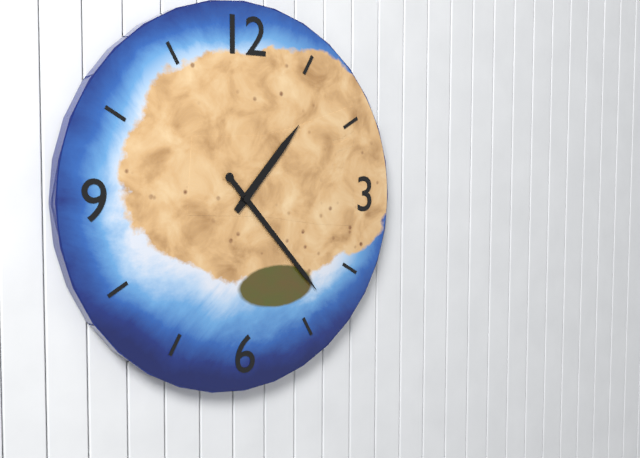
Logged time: 1,23
